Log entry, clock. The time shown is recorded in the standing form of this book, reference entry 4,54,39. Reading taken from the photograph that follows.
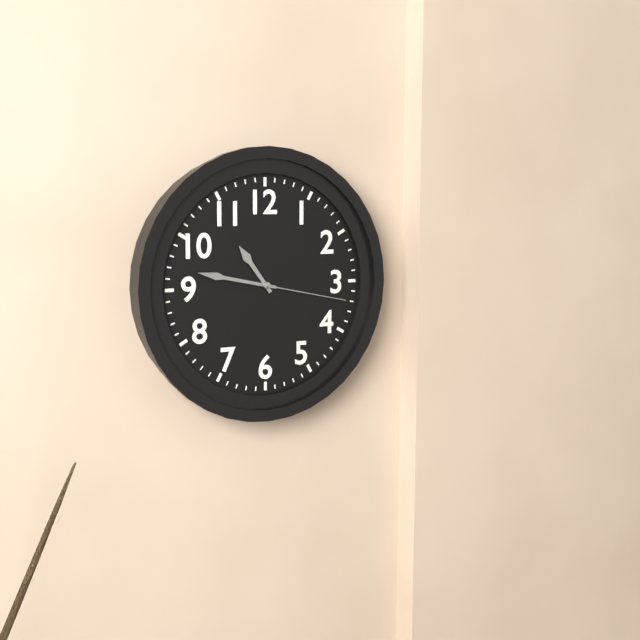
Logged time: 10,47,17
